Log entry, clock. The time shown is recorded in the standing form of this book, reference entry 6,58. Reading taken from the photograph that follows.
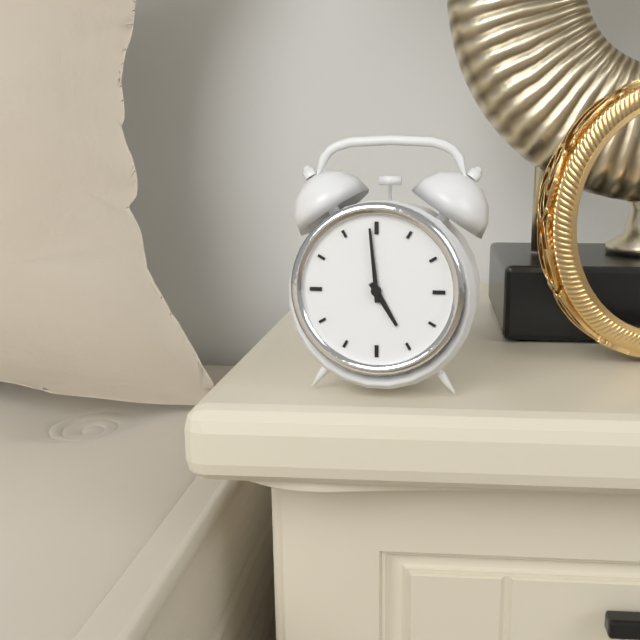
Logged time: 4,59
